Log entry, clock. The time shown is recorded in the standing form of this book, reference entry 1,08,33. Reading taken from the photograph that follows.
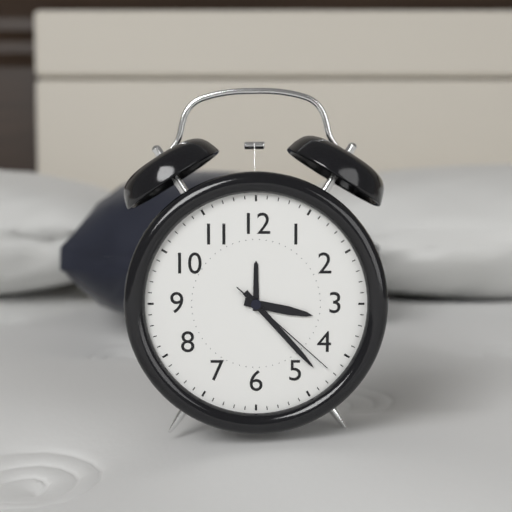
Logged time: 3,23,22
